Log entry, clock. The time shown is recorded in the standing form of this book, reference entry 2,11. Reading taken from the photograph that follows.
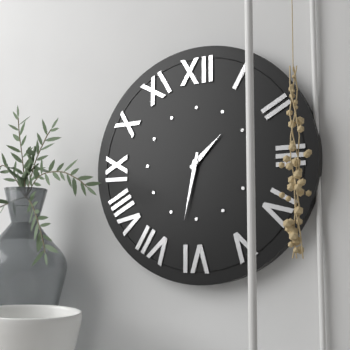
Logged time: 1,32
